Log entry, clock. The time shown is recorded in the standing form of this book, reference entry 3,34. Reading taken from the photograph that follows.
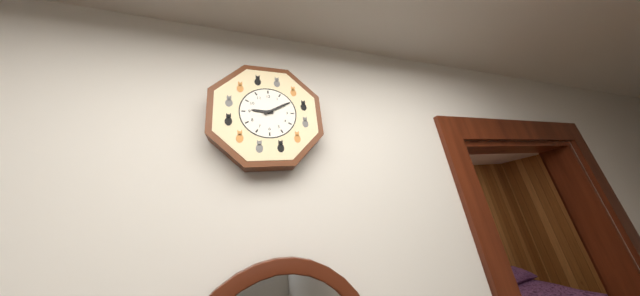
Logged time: 9,10
